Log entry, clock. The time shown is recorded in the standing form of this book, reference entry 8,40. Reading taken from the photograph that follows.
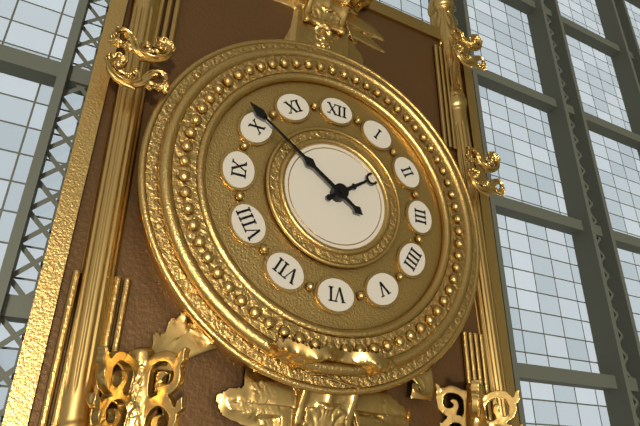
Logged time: 1,51
